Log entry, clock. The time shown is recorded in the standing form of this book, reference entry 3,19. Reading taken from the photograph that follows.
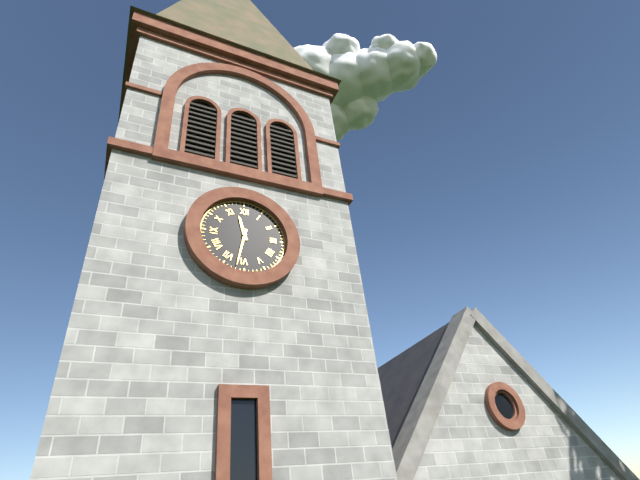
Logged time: 11,32
